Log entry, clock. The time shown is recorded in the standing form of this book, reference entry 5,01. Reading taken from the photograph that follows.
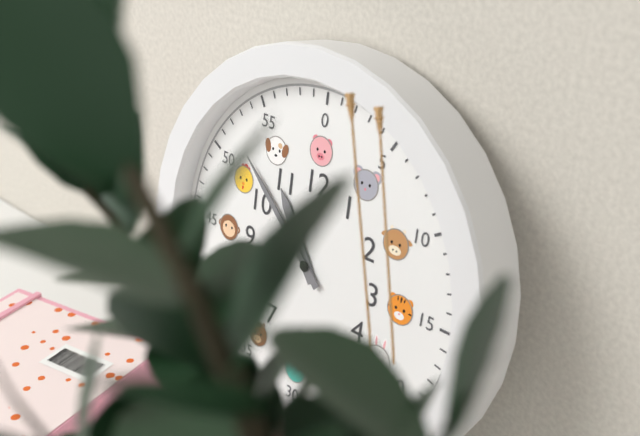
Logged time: 10,52
